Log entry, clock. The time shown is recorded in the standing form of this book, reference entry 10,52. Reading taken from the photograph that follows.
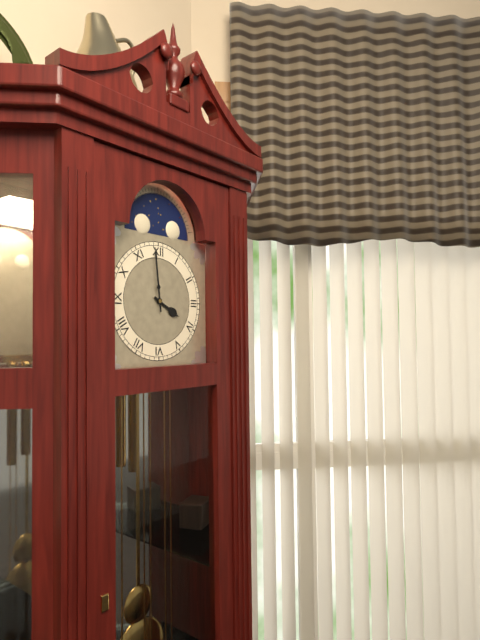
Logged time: 3,59
